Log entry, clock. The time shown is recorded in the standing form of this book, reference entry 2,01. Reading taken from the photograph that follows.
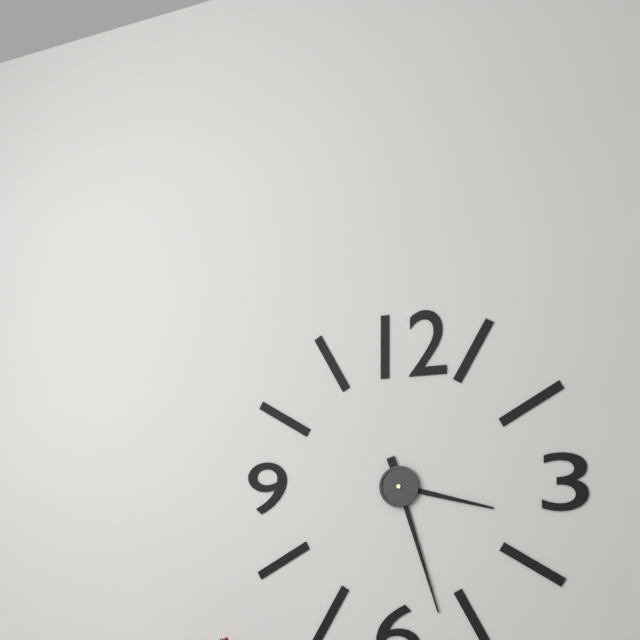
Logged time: 3,27
